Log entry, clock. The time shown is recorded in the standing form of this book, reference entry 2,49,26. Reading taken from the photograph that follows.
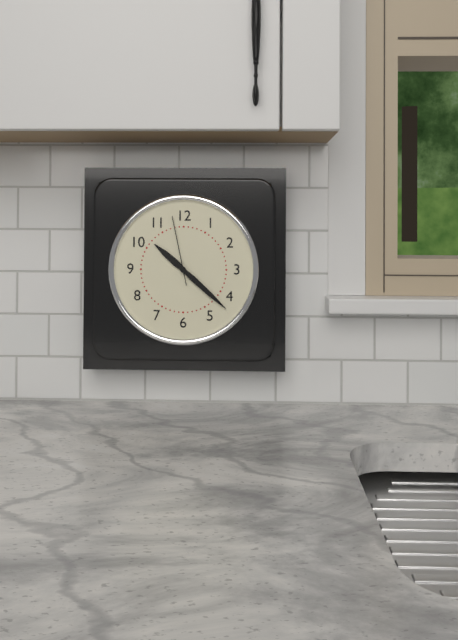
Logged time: 10,22,58
